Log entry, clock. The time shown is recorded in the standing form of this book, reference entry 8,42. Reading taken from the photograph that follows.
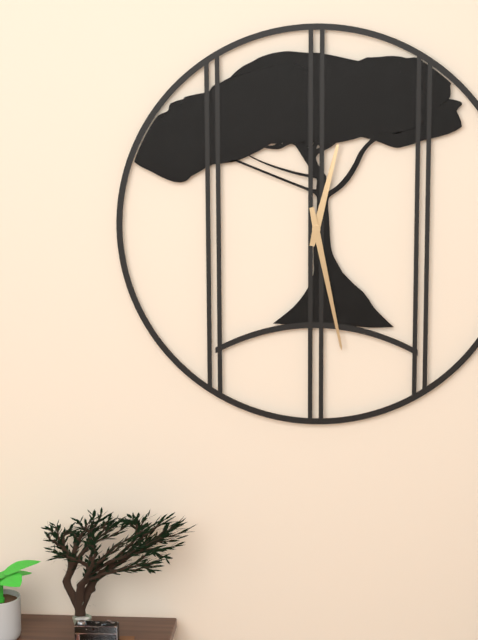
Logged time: 12,28
